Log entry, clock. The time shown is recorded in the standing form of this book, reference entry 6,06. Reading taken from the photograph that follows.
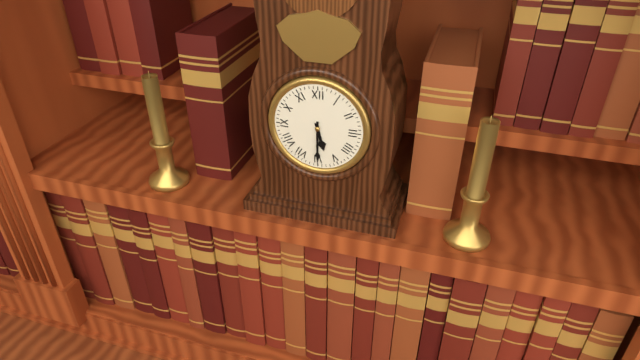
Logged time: 5,30
